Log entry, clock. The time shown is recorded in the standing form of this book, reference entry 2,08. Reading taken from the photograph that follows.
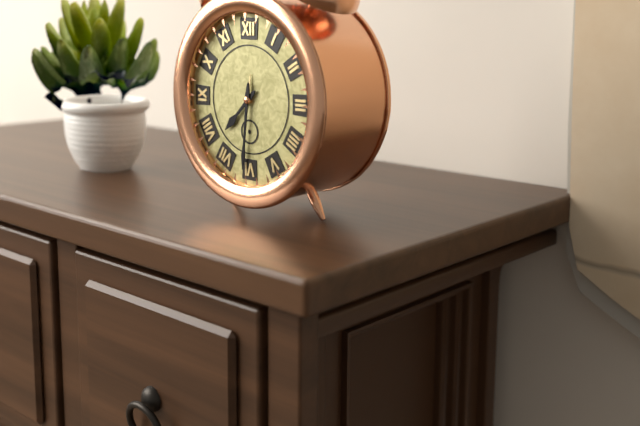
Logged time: 7,31
